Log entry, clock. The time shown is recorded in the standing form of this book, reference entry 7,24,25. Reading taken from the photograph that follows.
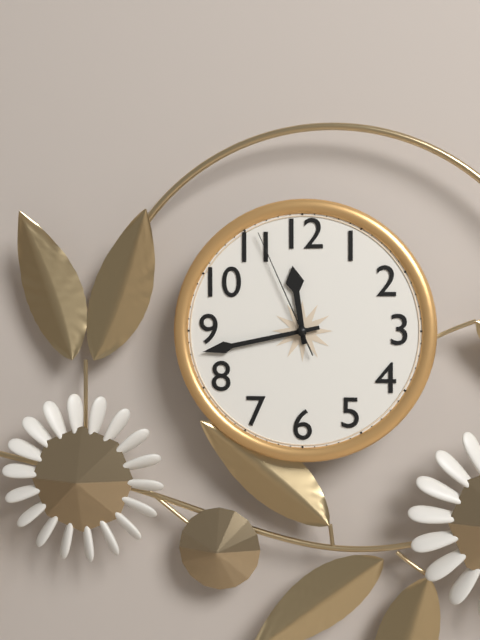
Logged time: 11,43,56
